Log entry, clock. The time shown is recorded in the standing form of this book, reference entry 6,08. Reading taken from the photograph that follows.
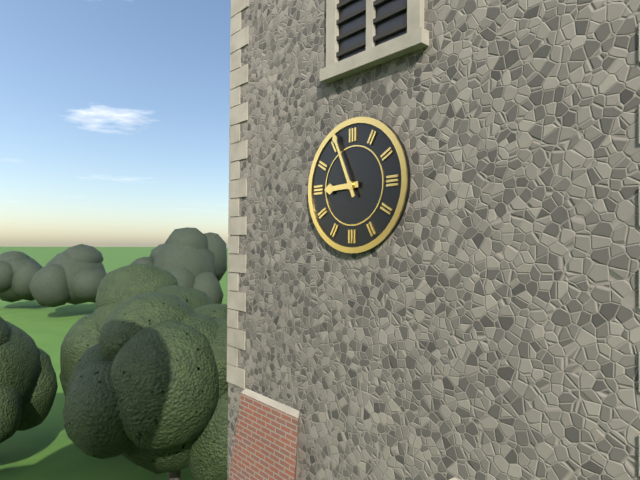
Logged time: 8,56
